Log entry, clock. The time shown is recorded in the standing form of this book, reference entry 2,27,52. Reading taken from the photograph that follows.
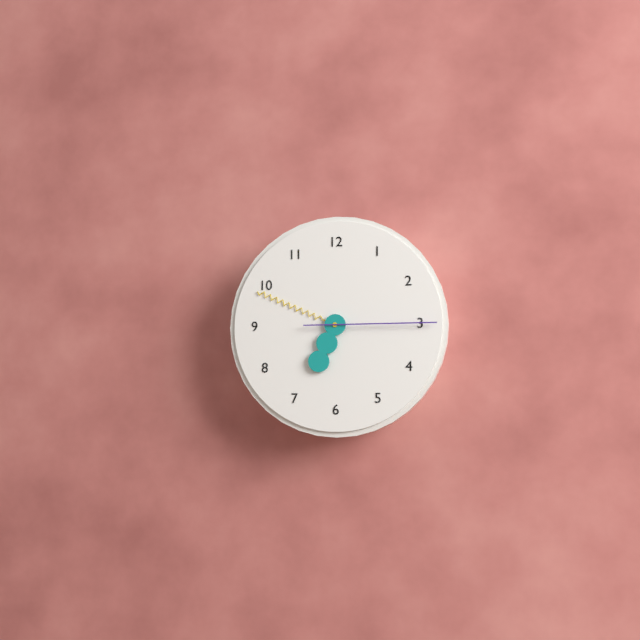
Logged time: 6,49,15
